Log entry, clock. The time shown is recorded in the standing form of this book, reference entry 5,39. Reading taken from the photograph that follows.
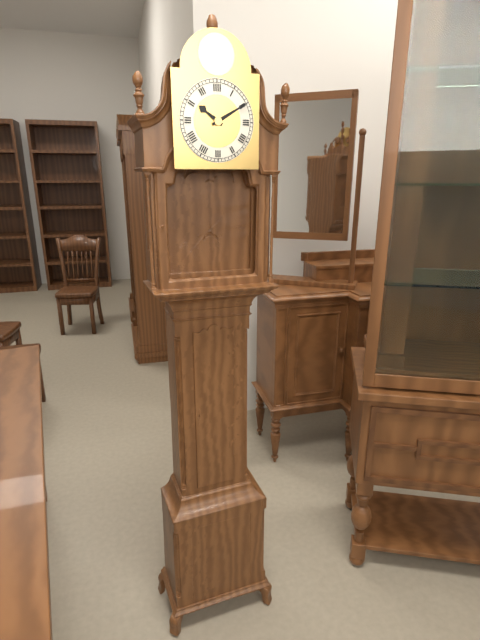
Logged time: 10,10
